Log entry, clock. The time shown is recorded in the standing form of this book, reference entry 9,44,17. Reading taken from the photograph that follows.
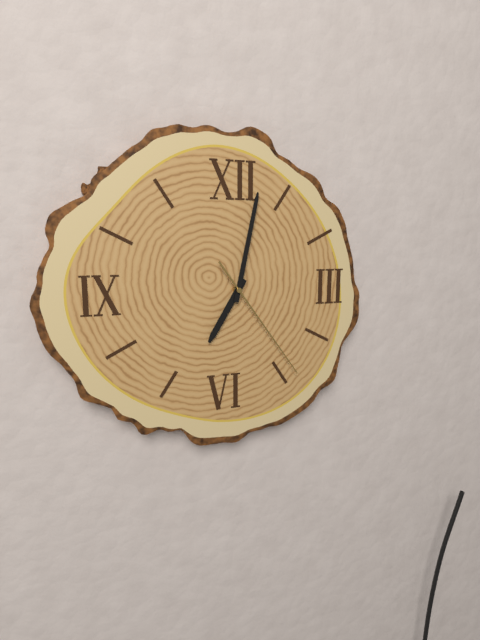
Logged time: 7,02,24
